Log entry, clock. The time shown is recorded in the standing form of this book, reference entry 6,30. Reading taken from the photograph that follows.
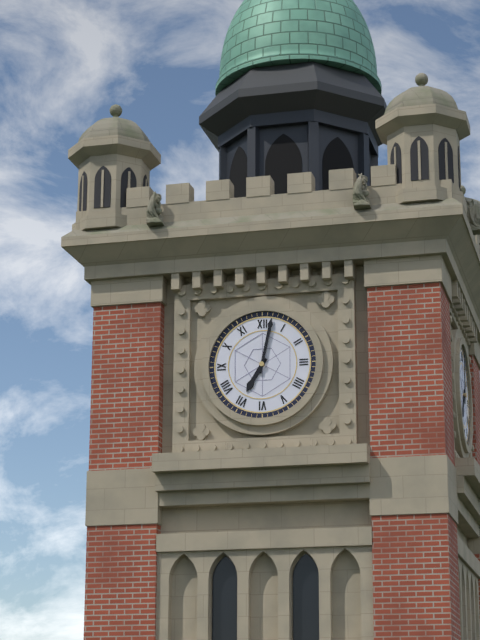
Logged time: 7,02
